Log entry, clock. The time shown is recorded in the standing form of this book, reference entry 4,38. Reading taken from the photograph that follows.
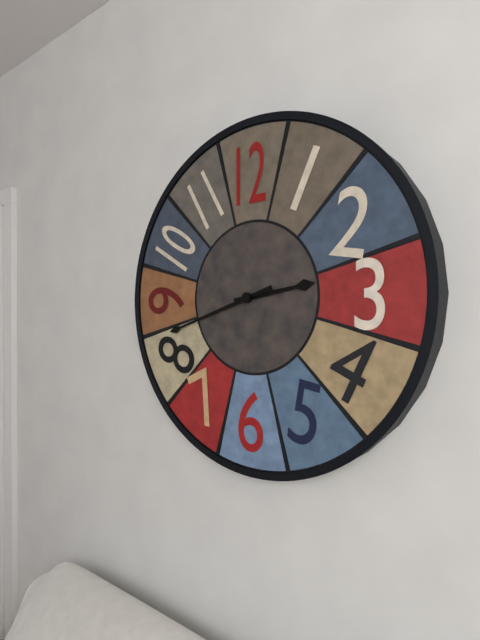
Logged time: 2,42
